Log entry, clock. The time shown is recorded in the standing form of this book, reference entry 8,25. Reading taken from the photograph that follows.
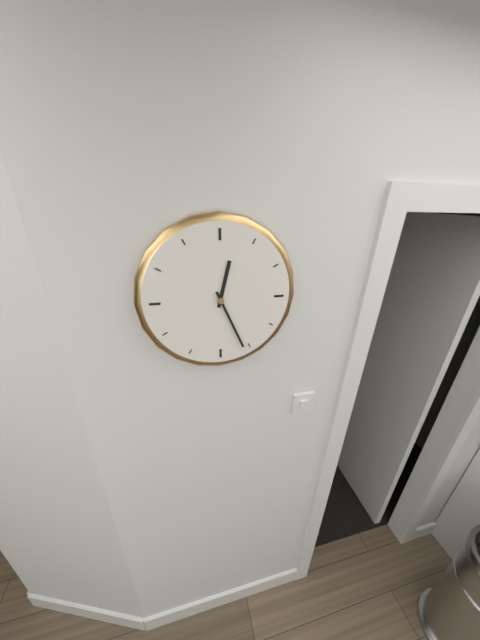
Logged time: 12,26
